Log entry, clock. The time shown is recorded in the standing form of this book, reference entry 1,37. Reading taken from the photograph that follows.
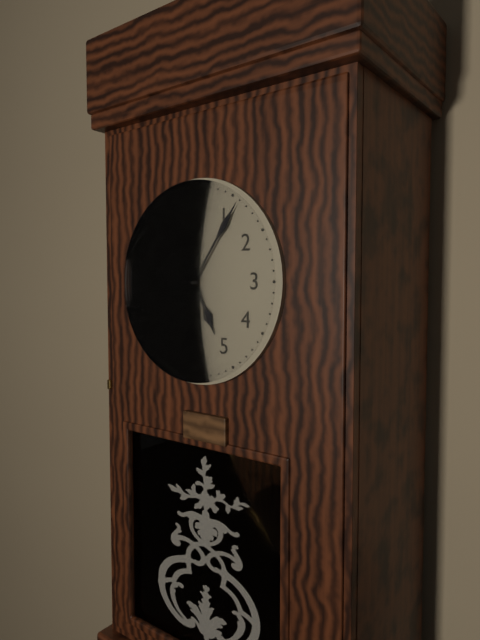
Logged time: 5,06
